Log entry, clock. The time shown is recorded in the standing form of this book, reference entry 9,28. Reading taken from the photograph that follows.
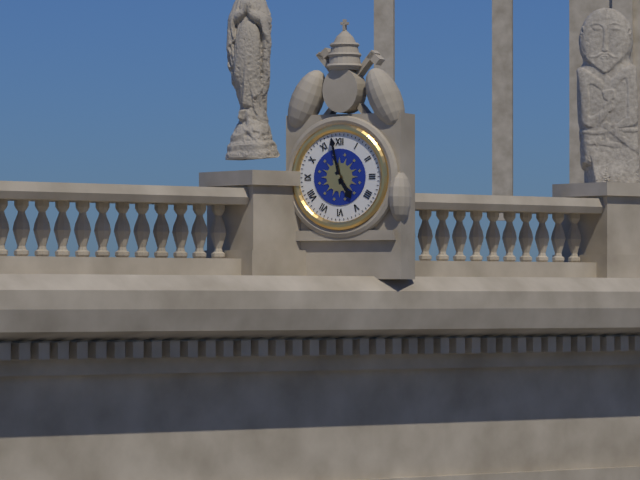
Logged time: 4,58
